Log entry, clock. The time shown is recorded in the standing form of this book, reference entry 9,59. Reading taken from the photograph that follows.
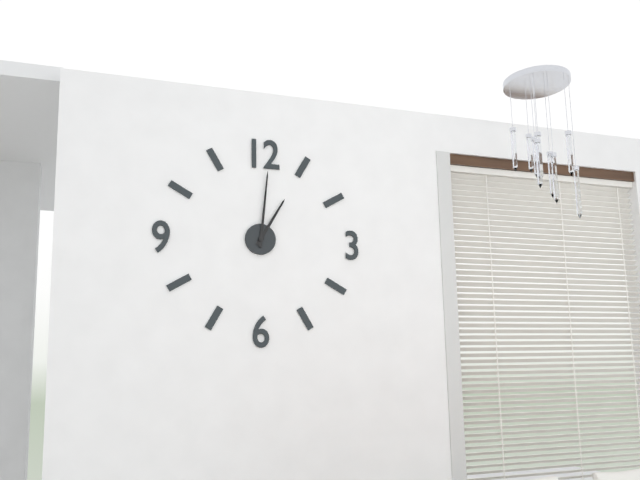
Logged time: 1,01
